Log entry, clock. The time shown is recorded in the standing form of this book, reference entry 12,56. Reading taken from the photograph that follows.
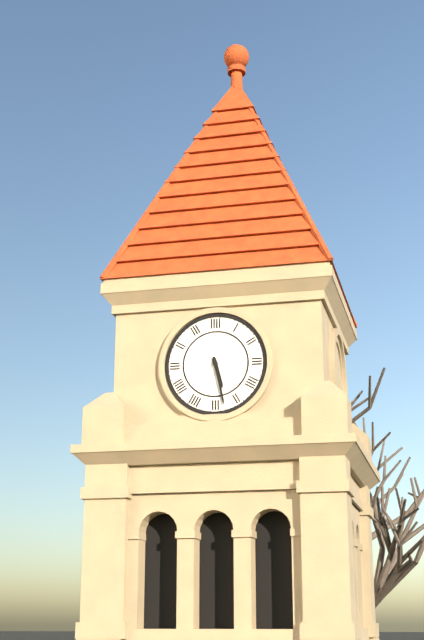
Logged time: 5,28
